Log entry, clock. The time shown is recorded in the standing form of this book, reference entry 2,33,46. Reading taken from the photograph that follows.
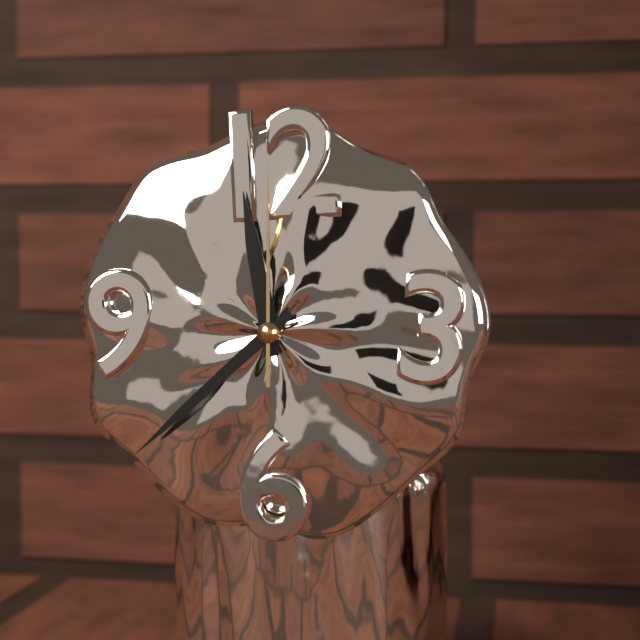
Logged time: 11,38,00
